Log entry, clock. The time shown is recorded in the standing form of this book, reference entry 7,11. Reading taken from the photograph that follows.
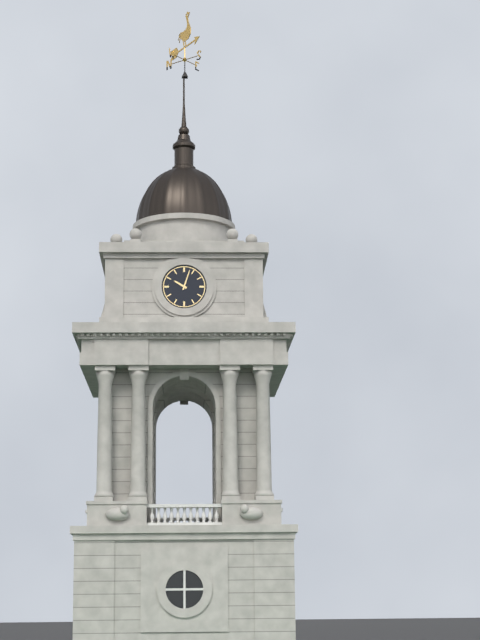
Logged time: 10,03
